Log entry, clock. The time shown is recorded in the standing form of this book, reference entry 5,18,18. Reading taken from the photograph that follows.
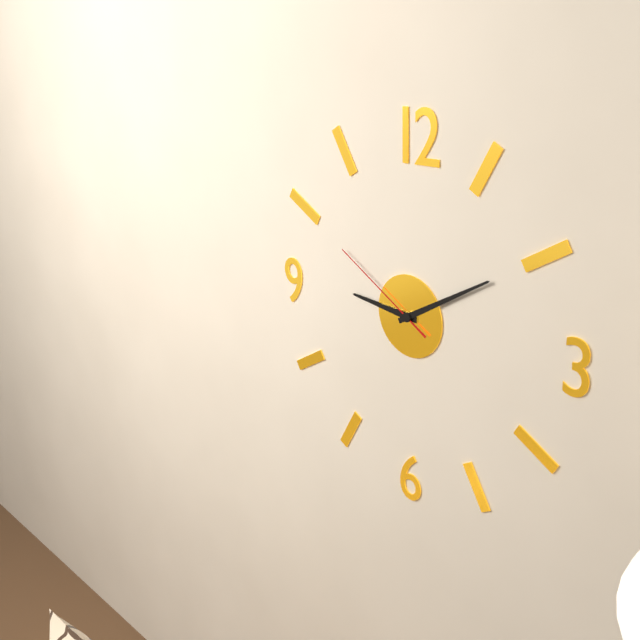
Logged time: 9,10,50
